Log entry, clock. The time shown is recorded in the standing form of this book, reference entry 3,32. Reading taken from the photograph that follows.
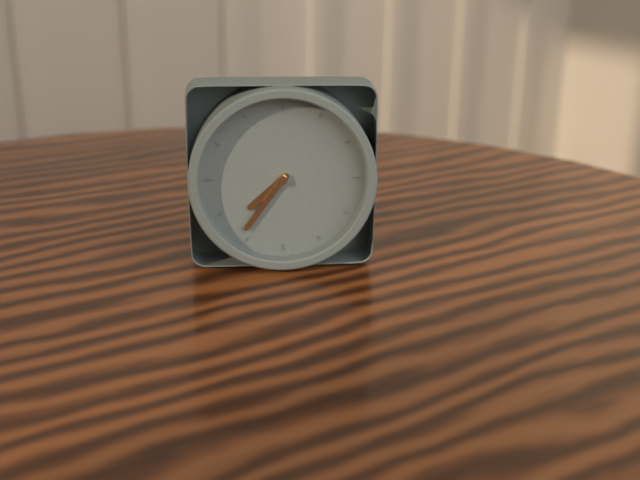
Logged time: 7,36
